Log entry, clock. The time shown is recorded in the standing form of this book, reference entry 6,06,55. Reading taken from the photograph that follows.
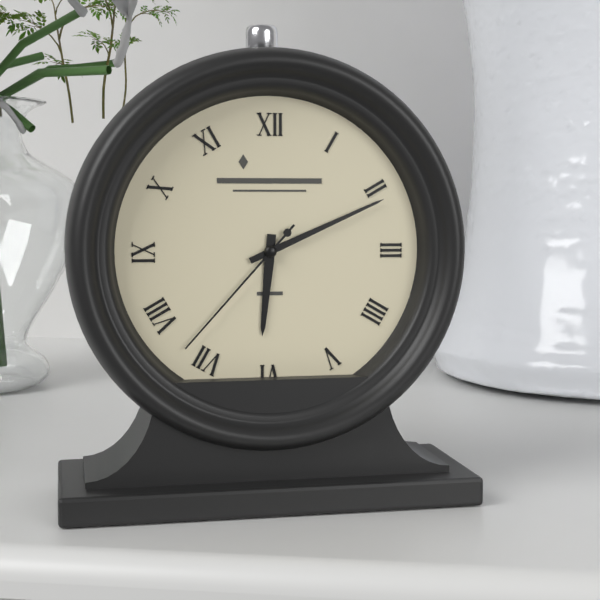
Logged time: 6,11,37
